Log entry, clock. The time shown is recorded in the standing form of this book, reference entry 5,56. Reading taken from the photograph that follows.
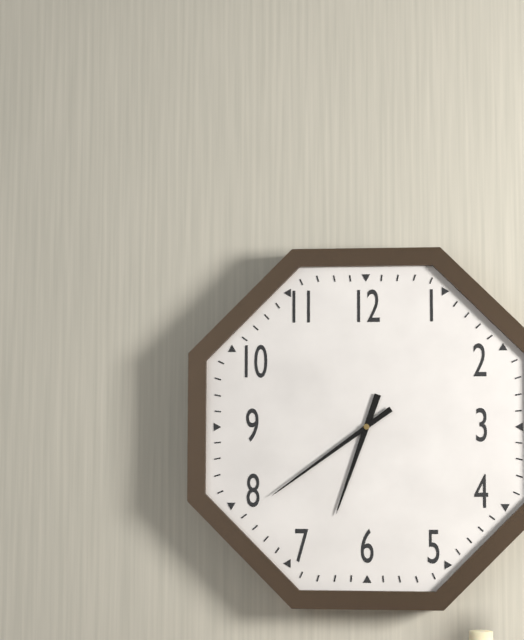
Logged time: 6,39
